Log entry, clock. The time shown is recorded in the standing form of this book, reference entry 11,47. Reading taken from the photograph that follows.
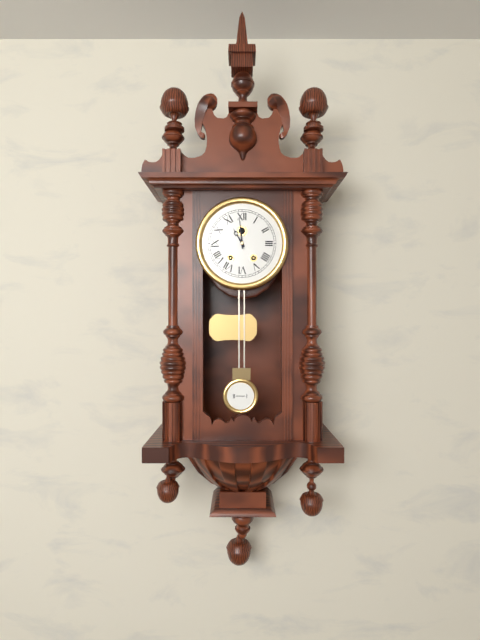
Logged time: 10,59
